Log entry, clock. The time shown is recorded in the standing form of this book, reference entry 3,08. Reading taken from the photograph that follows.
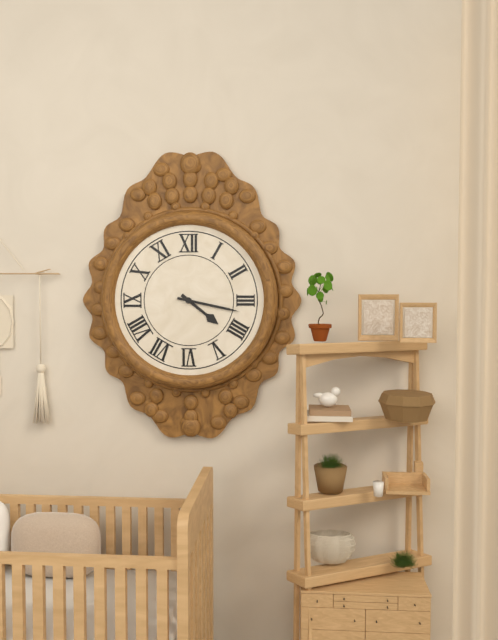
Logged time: 4,17
